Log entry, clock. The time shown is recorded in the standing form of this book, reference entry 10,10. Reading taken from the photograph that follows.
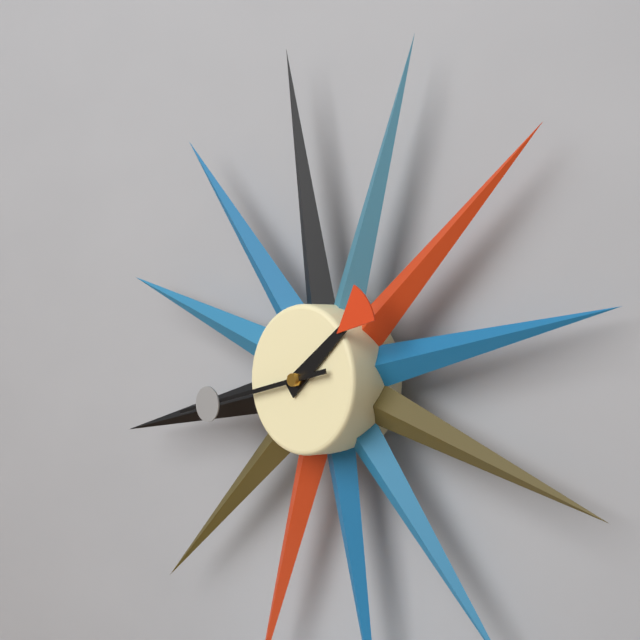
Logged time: 1,43
